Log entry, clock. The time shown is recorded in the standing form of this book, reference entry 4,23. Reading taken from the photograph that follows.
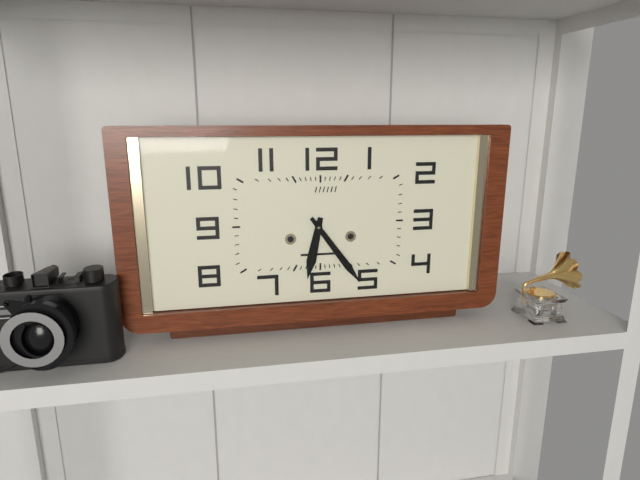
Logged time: 6,24
